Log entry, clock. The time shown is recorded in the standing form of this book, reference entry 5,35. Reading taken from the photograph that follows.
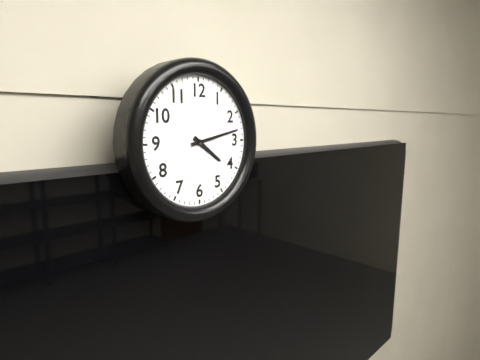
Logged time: 4,13
